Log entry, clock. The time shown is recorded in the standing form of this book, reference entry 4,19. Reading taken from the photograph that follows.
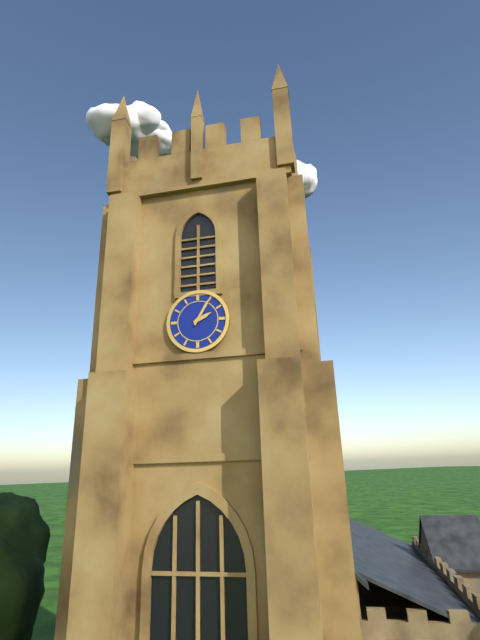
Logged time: 2,05
